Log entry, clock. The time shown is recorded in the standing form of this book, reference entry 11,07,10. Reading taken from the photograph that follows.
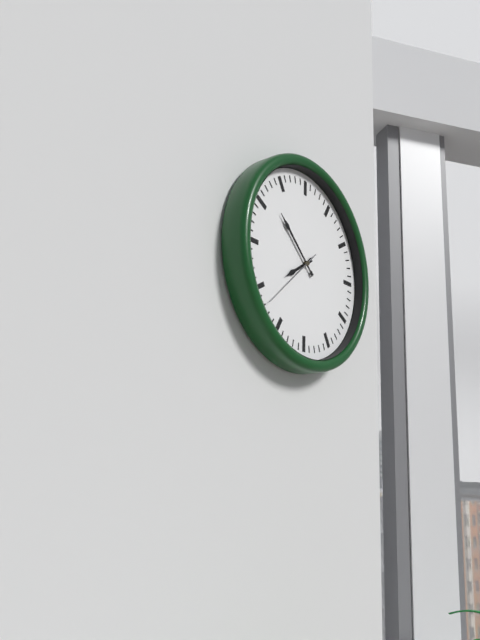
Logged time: 7,52,38
